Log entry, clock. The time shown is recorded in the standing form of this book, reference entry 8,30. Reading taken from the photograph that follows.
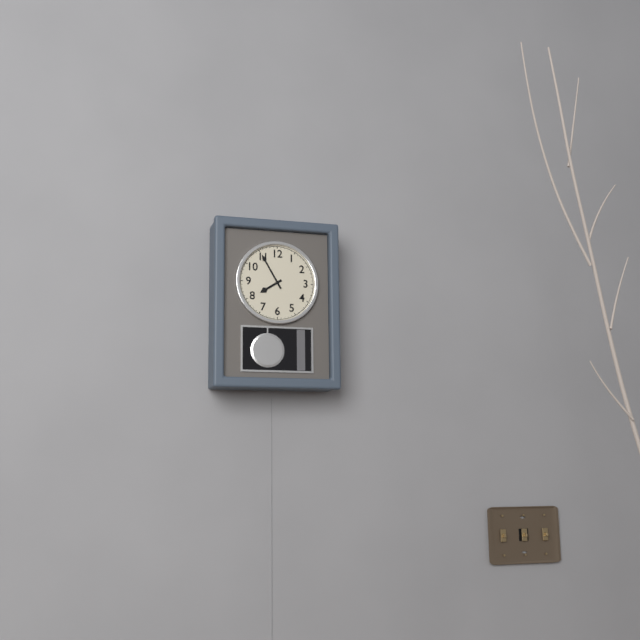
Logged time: 7,55
